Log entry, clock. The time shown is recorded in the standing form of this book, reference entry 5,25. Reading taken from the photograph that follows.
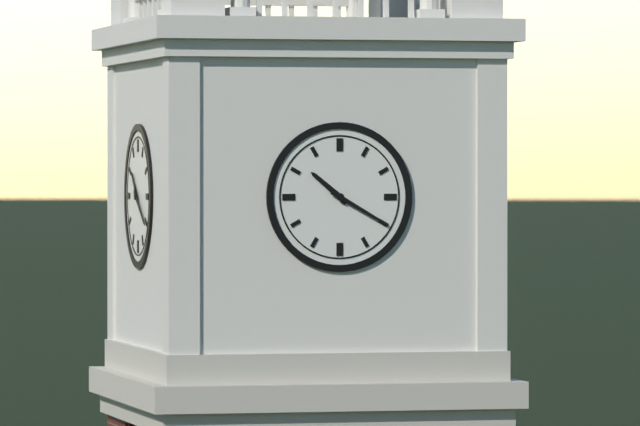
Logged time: 10,20
